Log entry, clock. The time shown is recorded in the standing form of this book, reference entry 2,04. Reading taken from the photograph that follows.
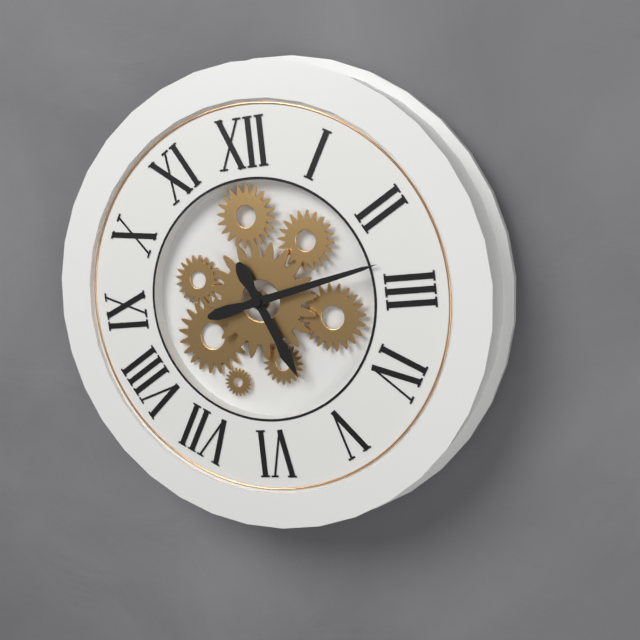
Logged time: 5,13
